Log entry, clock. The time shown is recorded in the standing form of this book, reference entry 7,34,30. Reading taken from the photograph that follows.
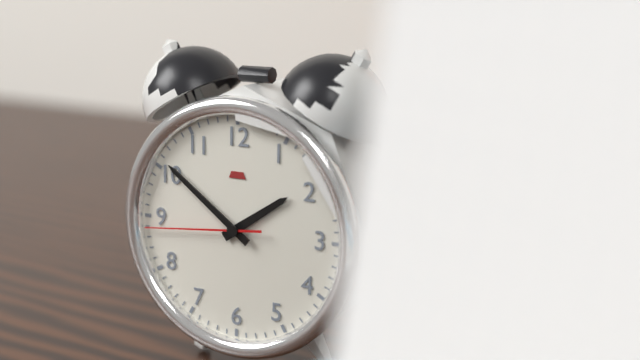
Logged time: 1,51,44
